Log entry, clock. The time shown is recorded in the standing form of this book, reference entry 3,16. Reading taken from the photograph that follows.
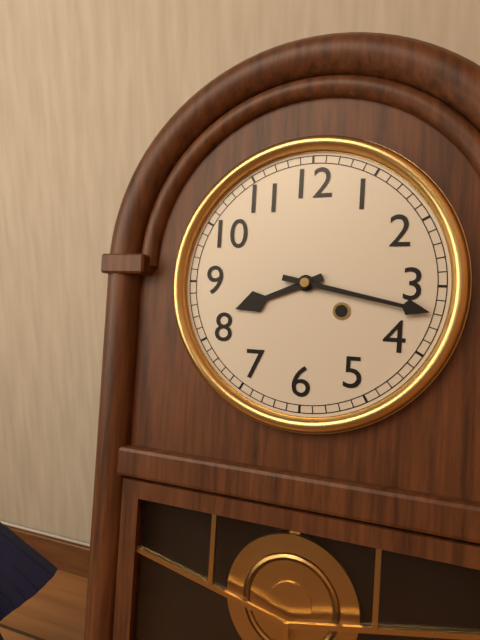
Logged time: 8,17
